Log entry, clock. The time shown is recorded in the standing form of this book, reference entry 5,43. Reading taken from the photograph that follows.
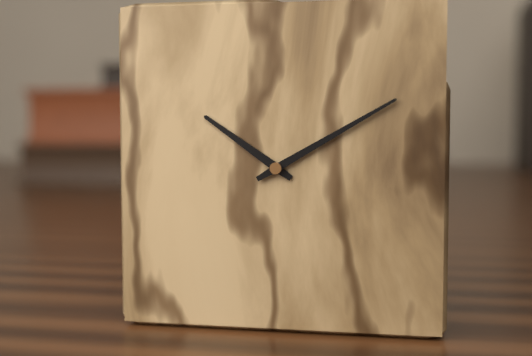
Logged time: 10,10
